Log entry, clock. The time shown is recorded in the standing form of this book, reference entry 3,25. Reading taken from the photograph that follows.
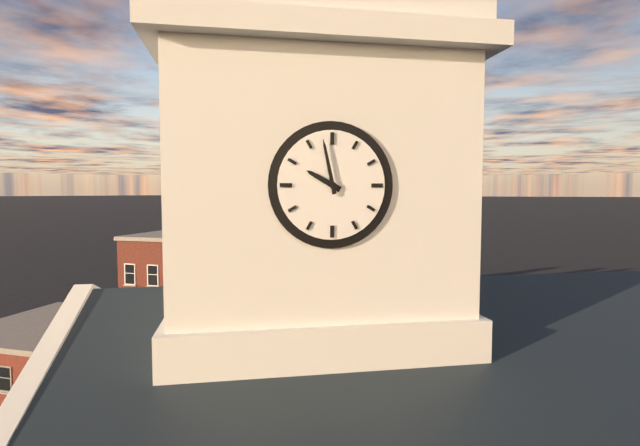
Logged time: 9,58
